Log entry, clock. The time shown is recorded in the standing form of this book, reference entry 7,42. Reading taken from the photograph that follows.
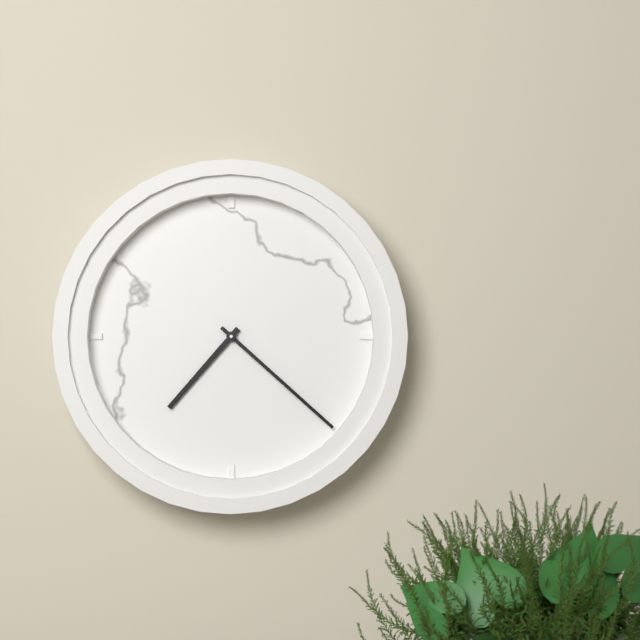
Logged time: 7,22
